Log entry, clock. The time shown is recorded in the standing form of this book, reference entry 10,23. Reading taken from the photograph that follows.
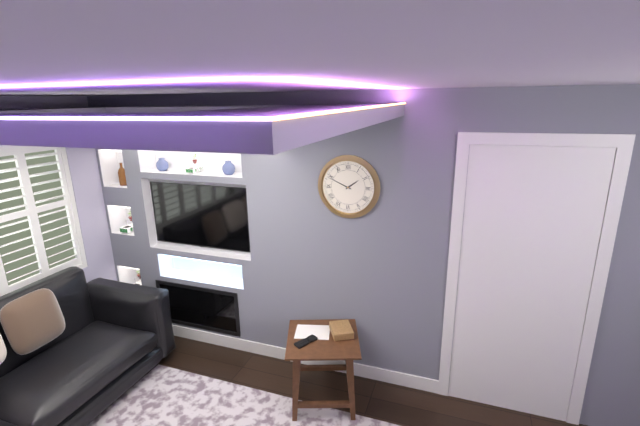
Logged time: 1,49
